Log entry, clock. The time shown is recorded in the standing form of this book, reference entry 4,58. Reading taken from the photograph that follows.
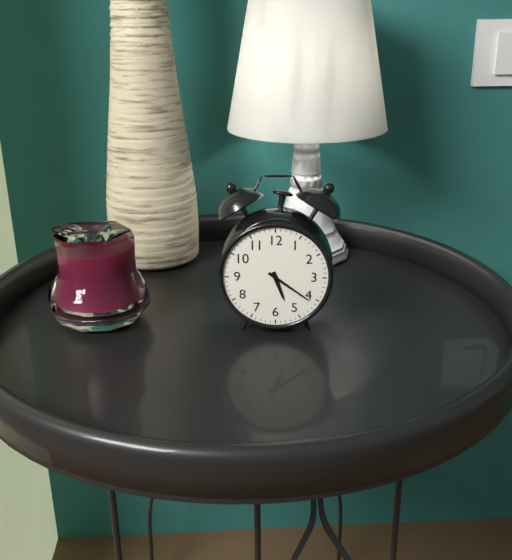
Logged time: 5,21
